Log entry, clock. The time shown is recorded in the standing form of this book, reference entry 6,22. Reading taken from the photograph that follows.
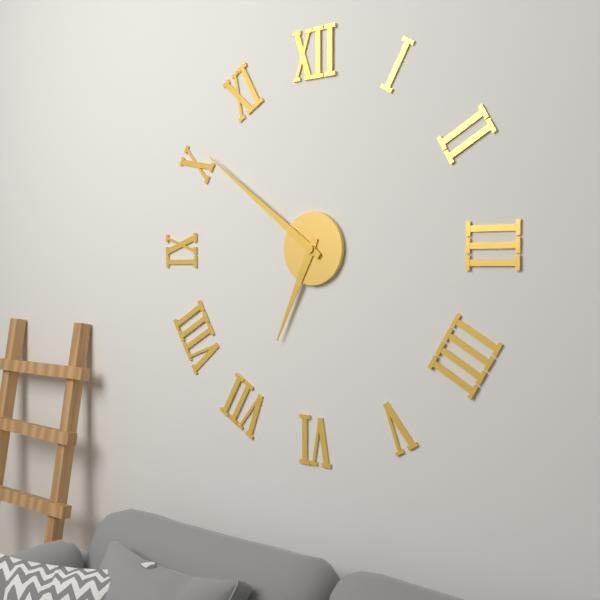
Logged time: 6,51
